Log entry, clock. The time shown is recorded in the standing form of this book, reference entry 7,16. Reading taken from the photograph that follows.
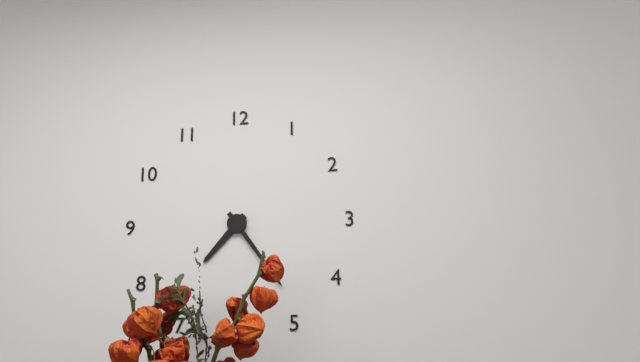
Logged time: 7,24
